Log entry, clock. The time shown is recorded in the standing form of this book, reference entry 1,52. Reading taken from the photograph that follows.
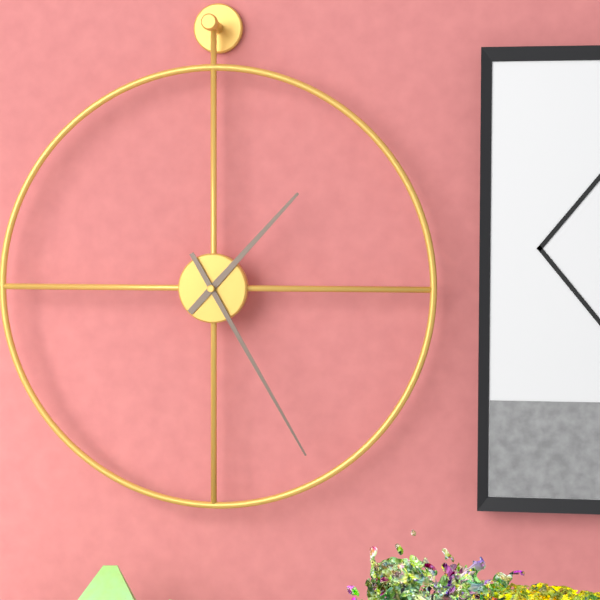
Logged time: 1,25
